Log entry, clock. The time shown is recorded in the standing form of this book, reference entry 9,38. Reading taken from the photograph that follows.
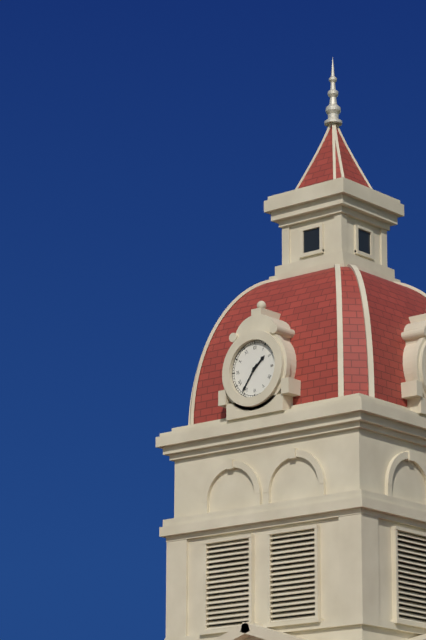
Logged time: 1,36
